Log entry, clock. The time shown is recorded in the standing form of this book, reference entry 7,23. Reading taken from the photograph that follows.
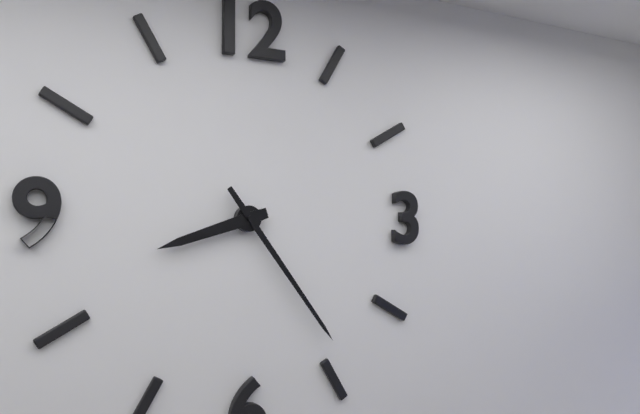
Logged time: 8,24
